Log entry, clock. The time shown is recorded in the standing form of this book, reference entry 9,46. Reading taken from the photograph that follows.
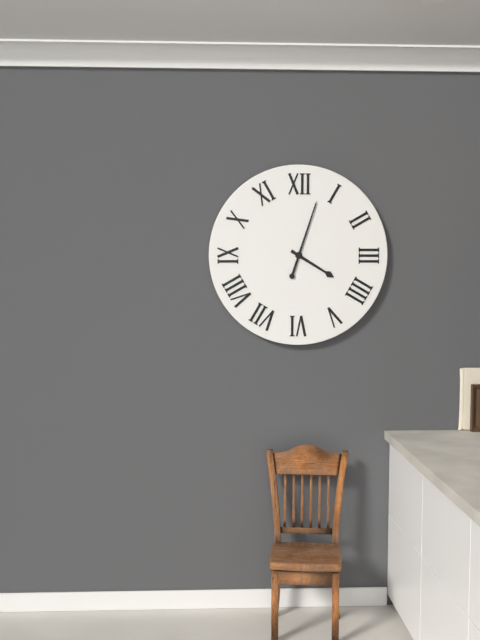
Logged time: 4,03
